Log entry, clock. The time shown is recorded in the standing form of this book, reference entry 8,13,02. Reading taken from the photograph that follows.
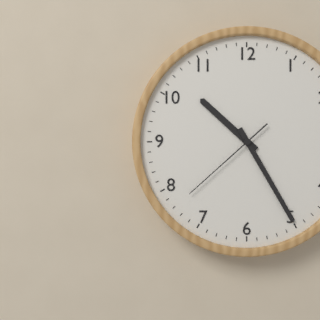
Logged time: 10,25,38
